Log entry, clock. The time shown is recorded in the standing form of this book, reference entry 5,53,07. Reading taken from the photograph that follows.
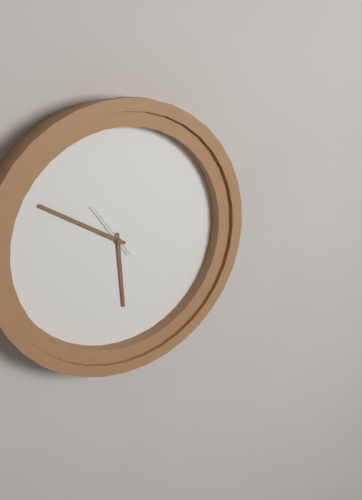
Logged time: 5,50,54
